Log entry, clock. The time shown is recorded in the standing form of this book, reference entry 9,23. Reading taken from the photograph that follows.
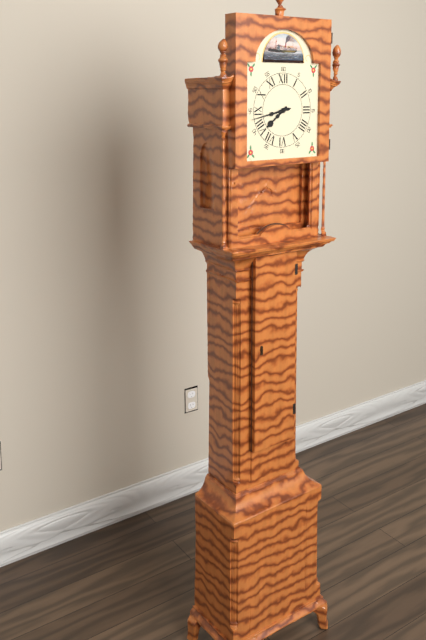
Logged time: 7,43
